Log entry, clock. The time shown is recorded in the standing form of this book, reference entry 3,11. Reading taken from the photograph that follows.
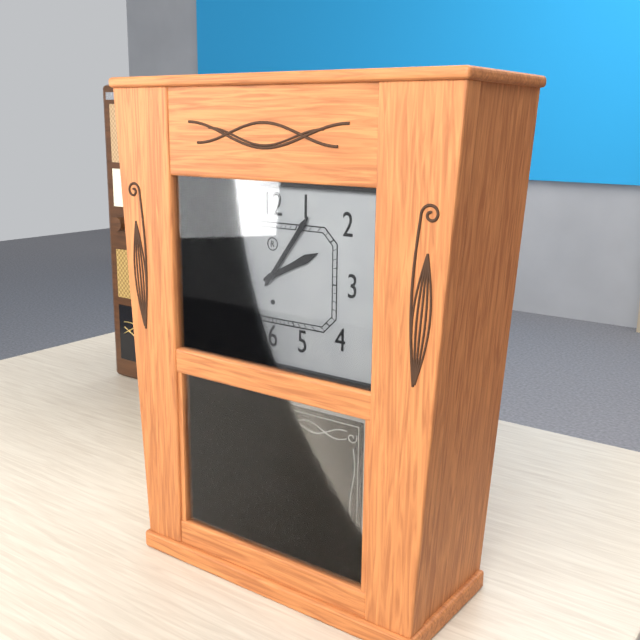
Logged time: 2,06
